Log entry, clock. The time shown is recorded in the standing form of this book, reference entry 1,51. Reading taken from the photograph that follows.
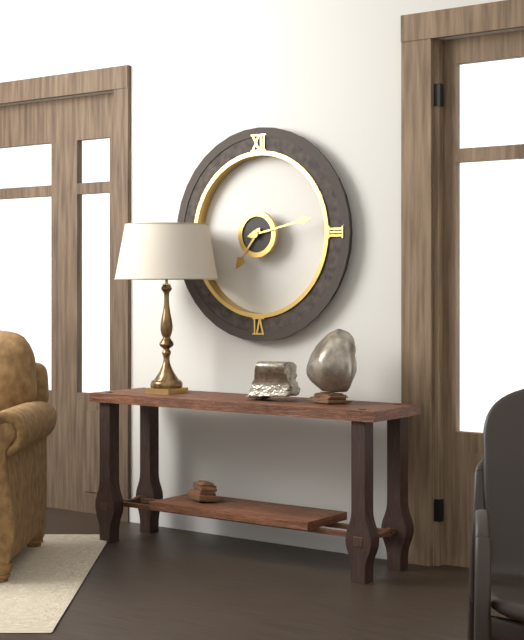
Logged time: 7,13
